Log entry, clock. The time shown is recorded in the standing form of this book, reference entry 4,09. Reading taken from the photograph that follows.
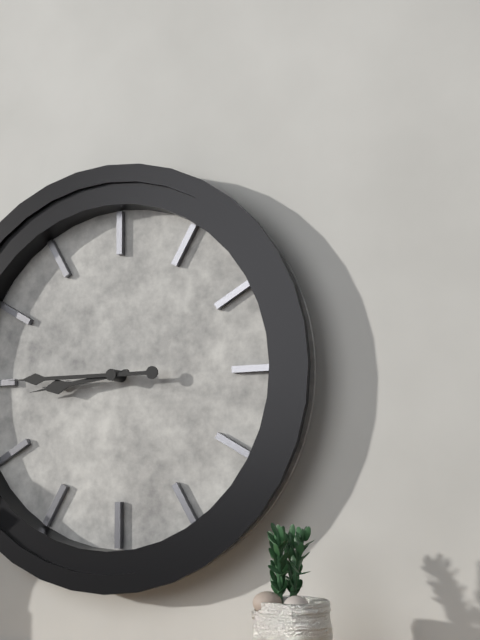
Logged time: 8,45
